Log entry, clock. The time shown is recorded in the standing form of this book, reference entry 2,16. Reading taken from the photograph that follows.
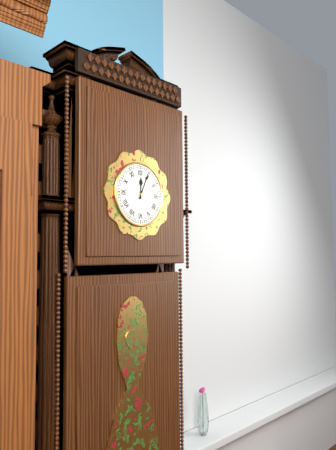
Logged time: 12,04
